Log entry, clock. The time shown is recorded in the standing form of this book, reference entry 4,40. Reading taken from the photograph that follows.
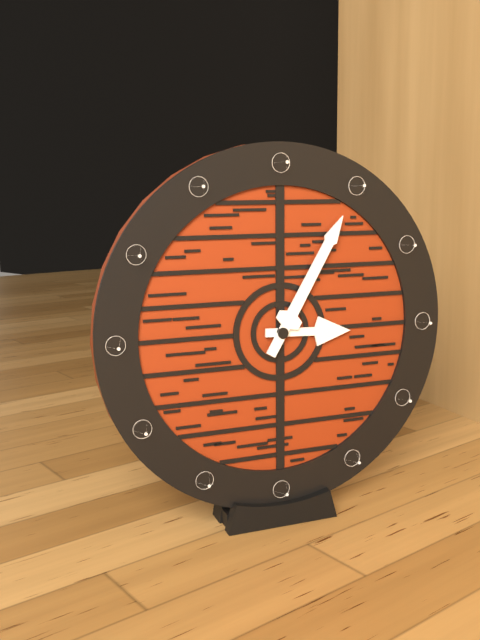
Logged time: 3,05
